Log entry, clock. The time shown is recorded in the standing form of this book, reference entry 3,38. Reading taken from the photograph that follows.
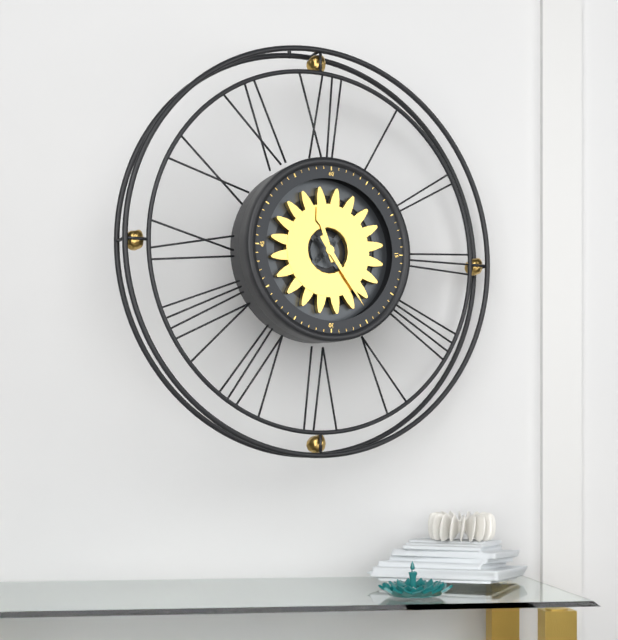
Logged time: 11,24
